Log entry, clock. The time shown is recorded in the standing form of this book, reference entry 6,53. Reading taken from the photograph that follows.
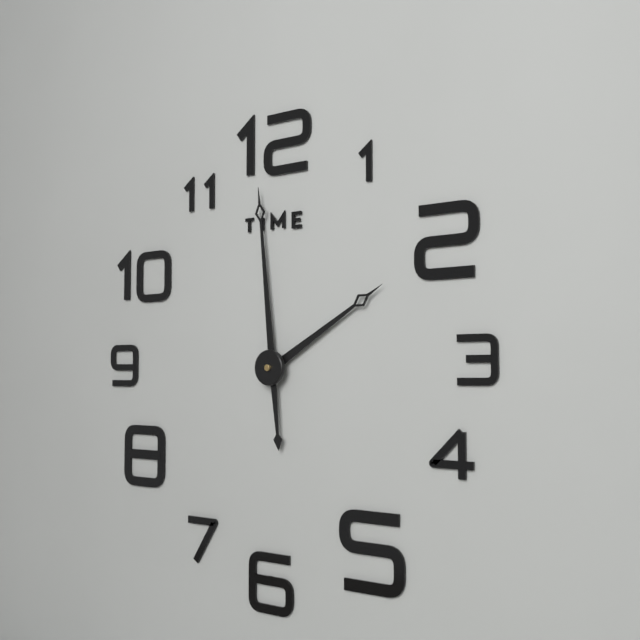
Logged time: 1,59
